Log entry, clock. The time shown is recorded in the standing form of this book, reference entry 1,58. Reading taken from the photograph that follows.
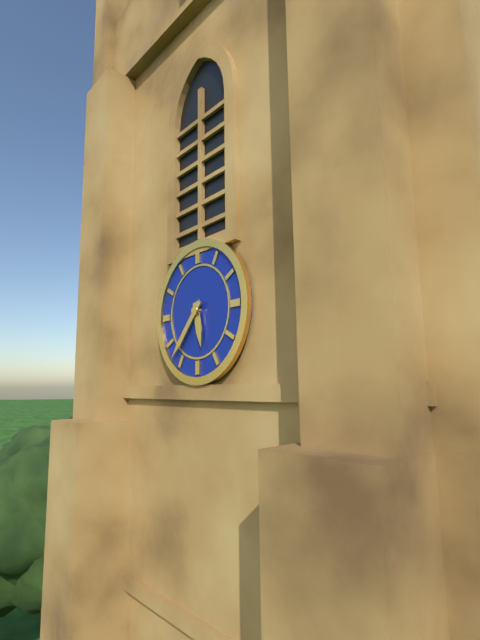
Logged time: 5,37
